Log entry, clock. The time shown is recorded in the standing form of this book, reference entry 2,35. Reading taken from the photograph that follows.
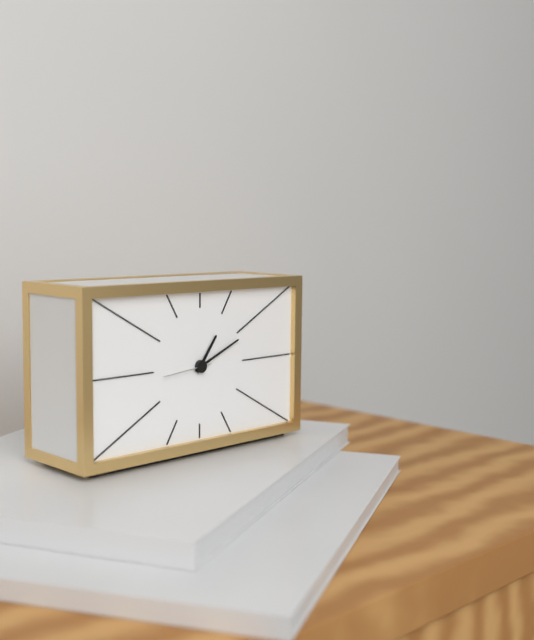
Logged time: 1,11
